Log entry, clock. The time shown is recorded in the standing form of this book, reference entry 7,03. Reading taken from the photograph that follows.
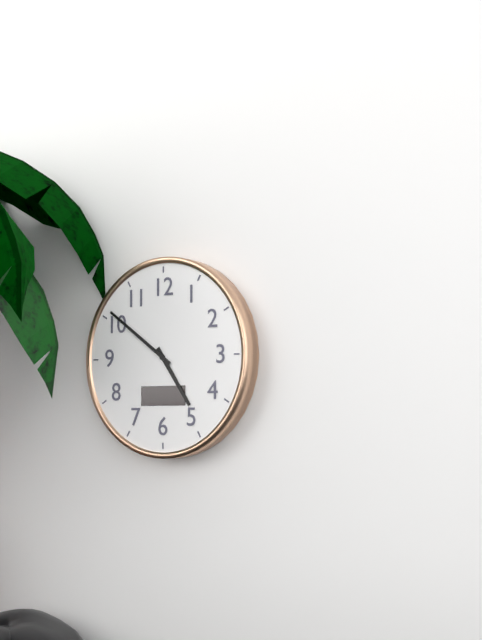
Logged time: 4,51
